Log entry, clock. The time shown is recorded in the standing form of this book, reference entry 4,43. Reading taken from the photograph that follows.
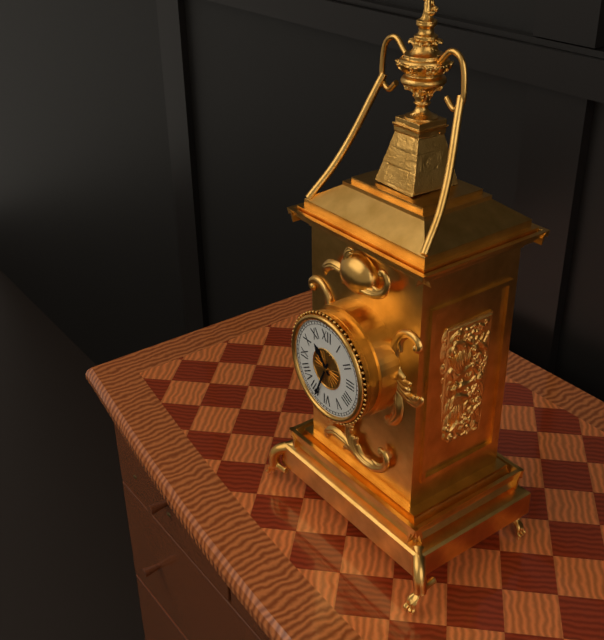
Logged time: 10,34
